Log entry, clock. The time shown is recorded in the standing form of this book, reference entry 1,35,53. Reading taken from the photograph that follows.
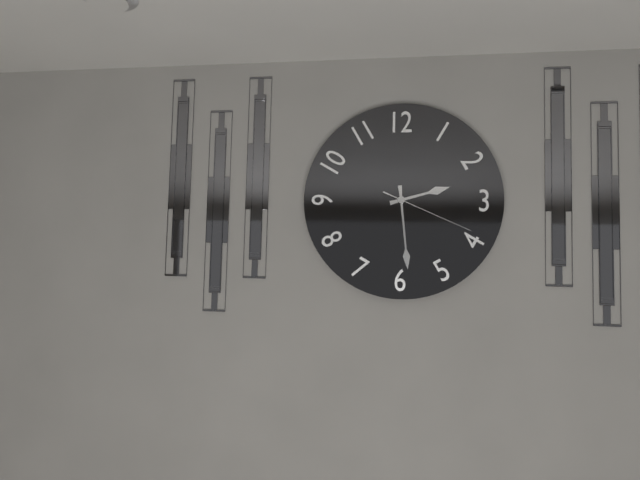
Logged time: 2,29,19
